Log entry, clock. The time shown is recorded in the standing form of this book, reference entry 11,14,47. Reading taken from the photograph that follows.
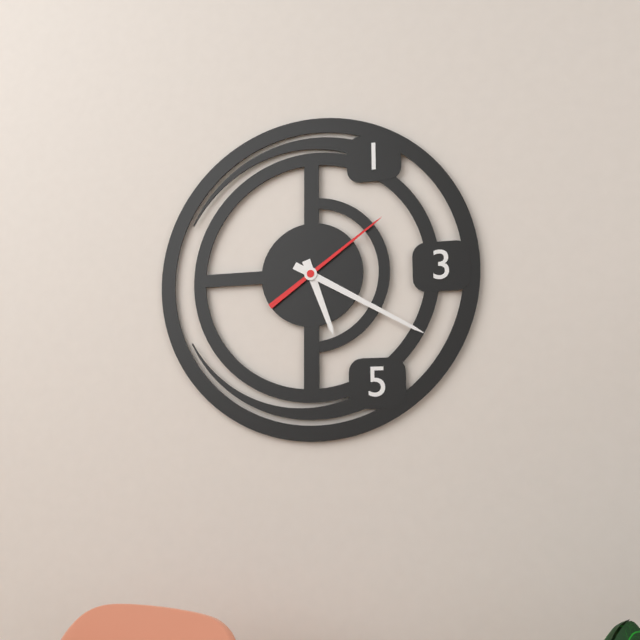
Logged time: 5,20,09
